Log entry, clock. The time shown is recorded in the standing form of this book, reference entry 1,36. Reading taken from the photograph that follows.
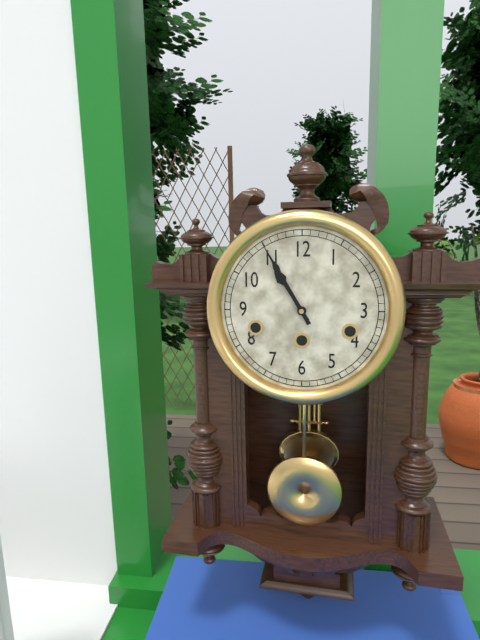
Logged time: 10,55
